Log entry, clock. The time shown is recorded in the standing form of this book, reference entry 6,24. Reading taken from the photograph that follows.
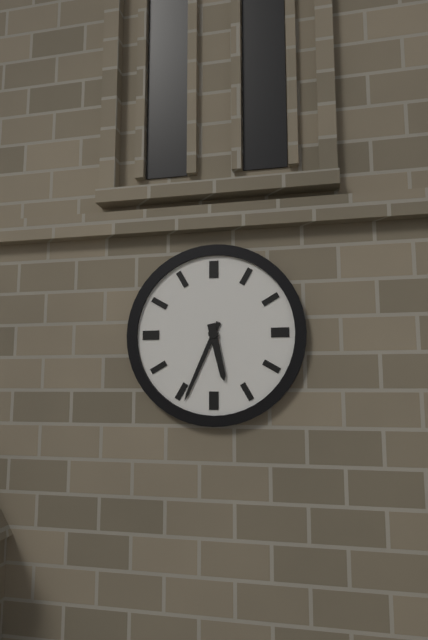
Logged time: 5,34
